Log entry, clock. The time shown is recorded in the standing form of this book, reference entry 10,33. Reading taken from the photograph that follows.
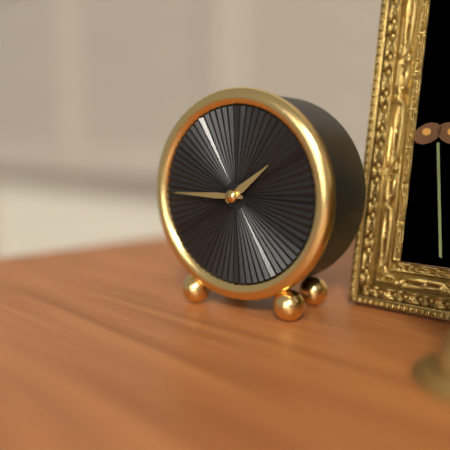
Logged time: 1,45
